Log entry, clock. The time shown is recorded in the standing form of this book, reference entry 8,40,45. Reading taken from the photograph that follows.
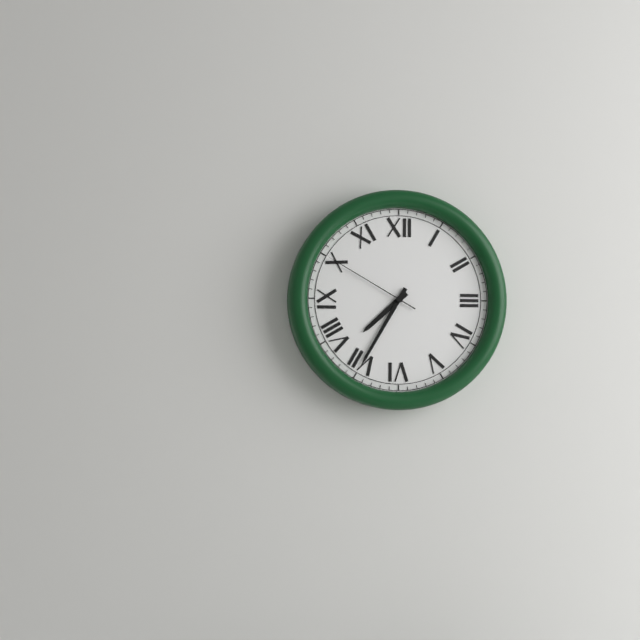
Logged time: 7,35,50
